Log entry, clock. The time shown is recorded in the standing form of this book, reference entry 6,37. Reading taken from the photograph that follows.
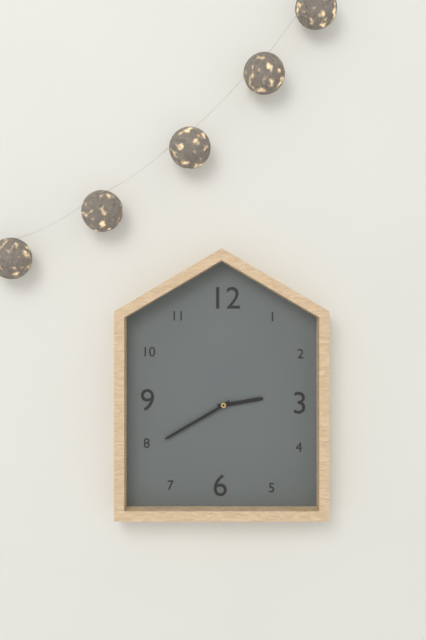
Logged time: 2,40
